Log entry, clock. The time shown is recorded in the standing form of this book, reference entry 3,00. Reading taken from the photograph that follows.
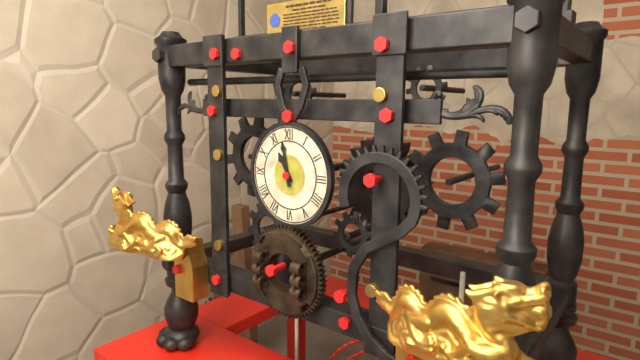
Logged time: 10,58
